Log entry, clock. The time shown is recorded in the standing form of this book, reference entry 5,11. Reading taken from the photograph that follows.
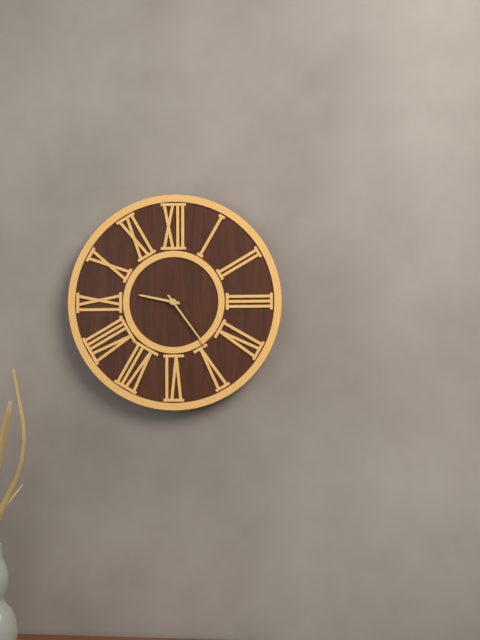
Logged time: 9,24
